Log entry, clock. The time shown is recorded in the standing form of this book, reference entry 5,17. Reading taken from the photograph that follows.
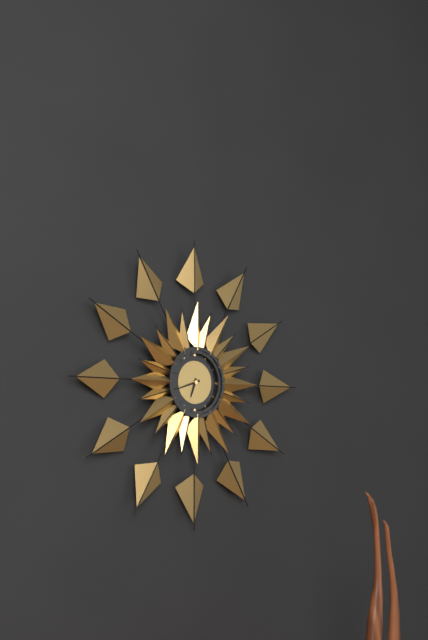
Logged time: 6,42
